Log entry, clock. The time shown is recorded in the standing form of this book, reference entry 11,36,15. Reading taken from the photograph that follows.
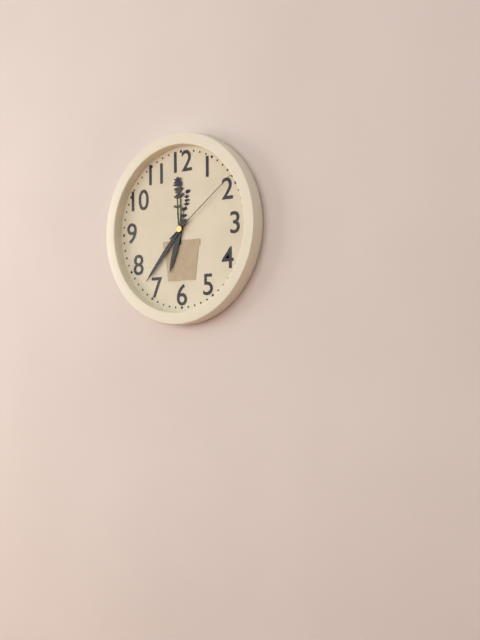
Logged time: 6,37,09
